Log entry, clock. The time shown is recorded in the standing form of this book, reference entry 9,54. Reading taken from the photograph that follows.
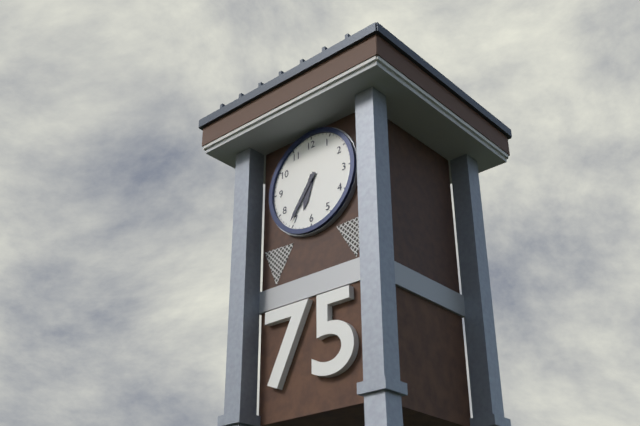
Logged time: 6,36
